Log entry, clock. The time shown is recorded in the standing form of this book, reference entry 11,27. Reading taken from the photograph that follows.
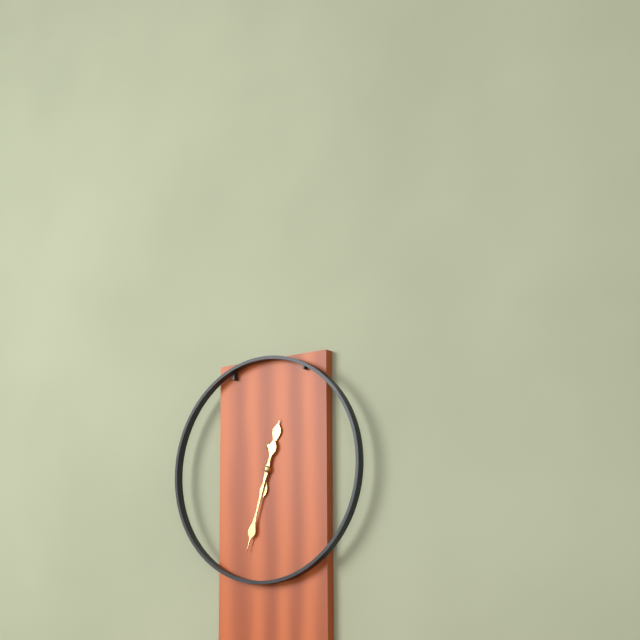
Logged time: 12,33
